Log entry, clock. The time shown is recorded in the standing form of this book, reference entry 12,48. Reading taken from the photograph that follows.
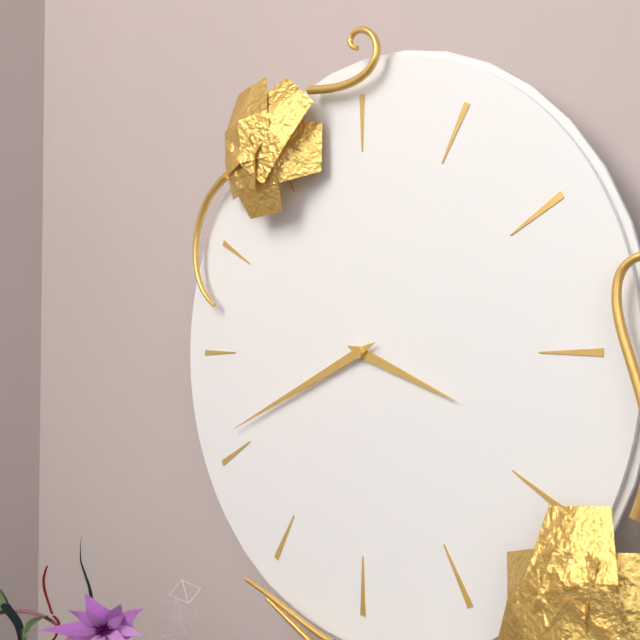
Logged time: 3,41
